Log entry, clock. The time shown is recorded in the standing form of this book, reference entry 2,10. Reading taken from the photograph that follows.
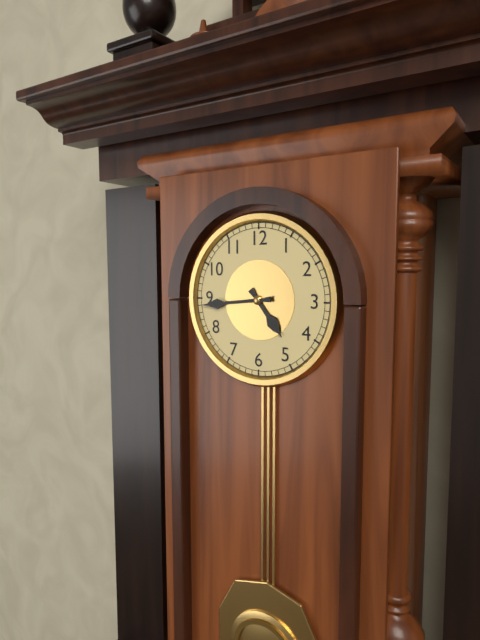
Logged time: 4,44
